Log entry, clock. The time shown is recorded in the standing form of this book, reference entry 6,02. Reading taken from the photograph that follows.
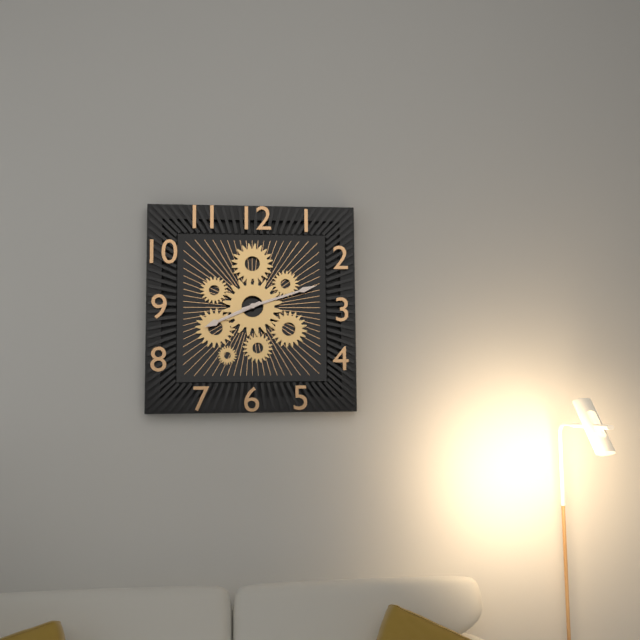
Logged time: 8,12
